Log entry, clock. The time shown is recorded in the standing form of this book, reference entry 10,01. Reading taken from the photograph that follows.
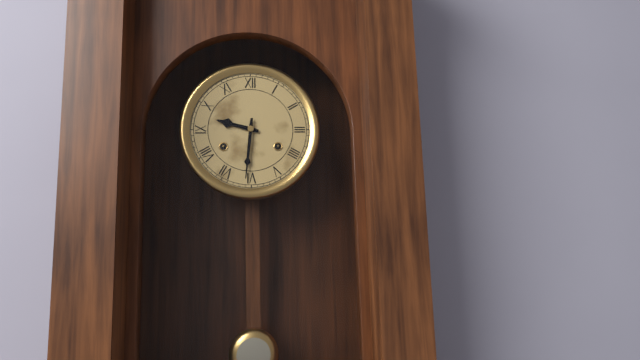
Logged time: 9,31
